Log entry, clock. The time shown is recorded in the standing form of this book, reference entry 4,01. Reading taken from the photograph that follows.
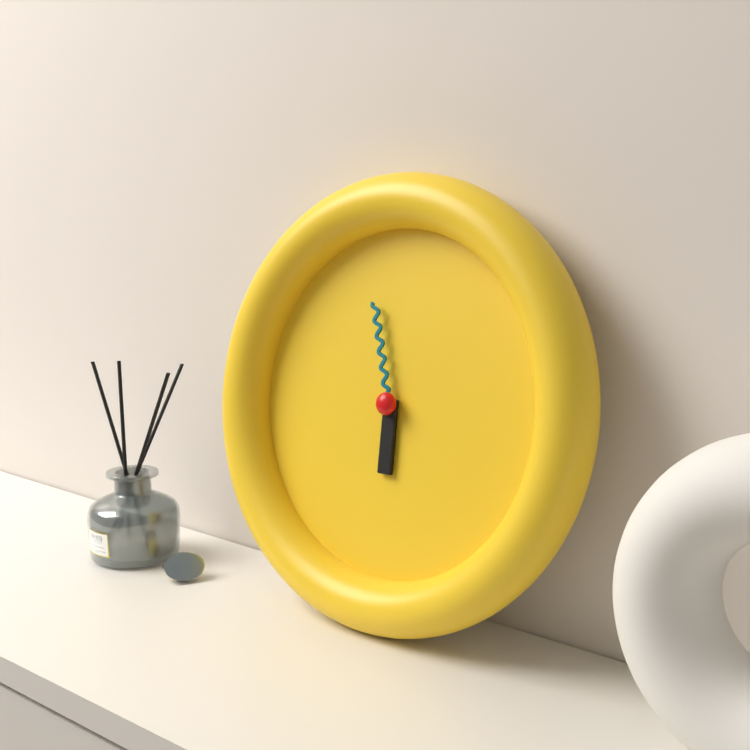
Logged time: 5,57
